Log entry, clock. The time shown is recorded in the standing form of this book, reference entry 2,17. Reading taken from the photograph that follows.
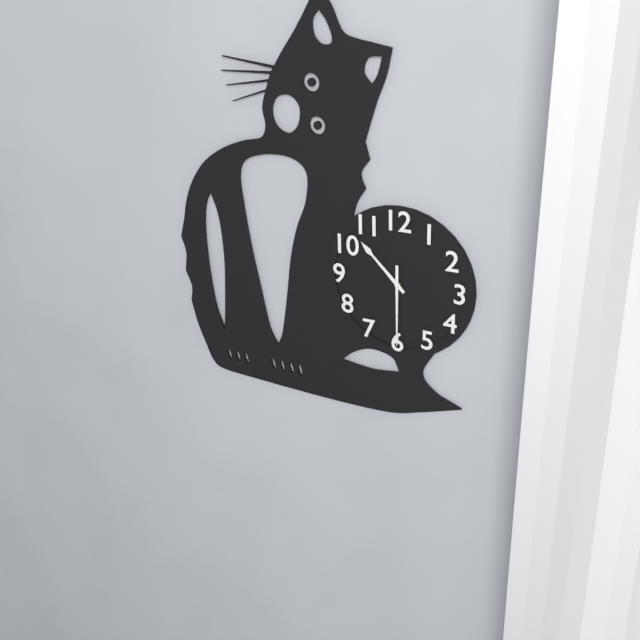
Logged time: 10,30
